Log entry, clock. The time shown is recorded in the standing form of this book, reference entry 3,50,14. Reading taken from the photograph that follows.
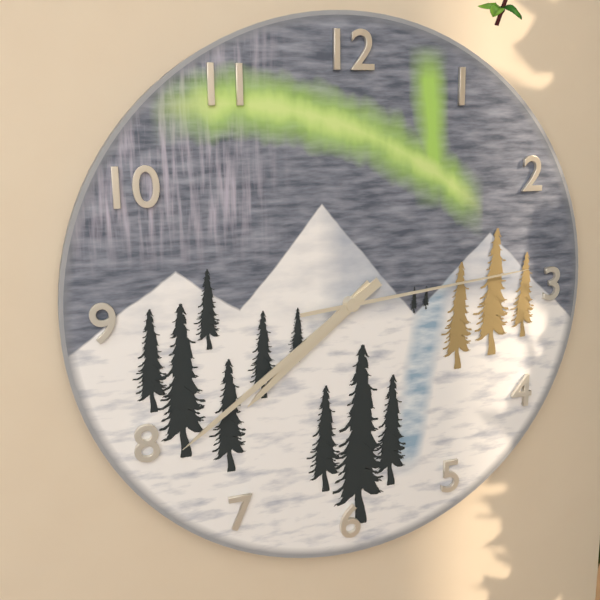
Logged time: 7,39,14
